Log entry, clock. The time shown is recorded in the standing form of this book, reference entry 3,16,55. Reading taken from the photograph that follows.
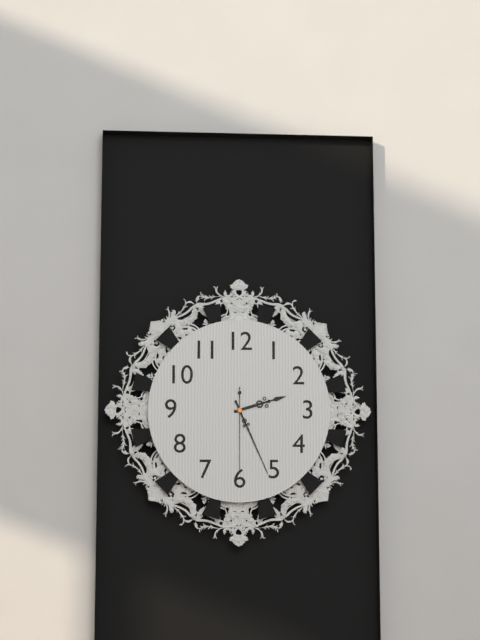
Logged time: 2,26,30
